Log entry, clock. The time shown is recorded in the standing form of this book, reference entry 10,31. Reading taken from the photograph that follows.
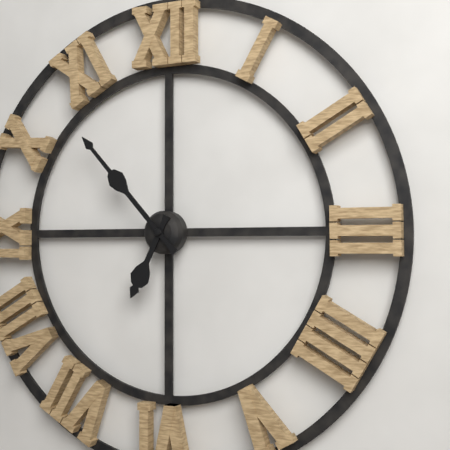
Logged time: 6,53
